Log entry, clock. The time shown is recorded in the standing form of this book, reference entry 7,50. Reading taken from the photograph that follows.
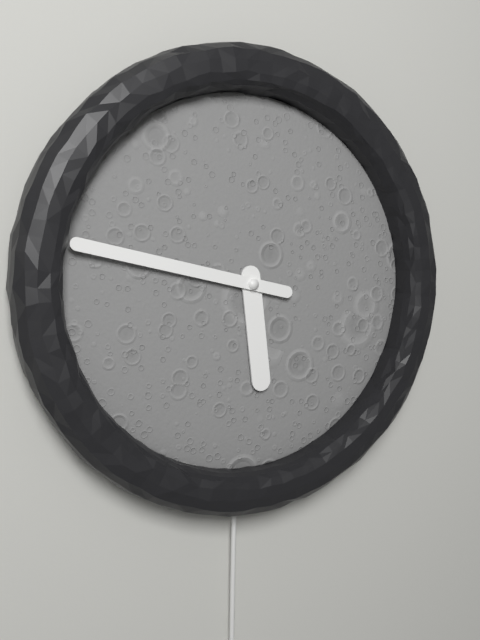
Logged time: 5,47
